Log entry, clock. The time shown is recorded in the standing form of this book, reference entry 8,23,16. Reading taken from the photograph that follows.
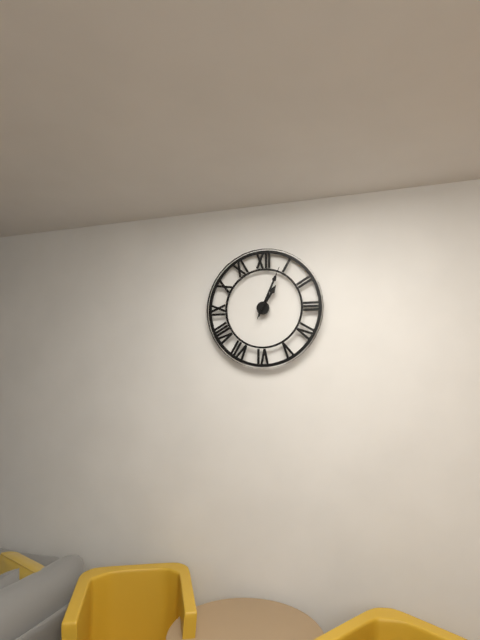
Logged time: 1,04,04
